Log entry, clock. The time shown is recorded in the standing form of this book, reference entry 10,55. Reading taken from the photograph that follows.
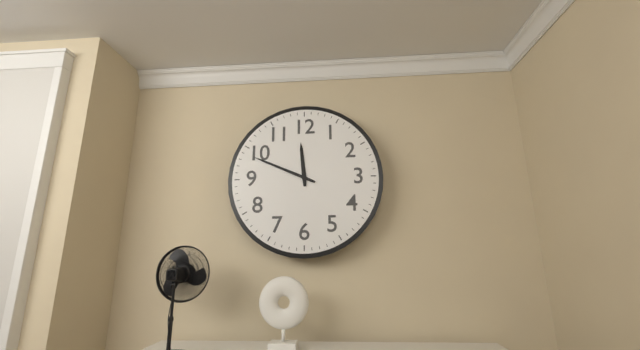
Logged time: 11,49
